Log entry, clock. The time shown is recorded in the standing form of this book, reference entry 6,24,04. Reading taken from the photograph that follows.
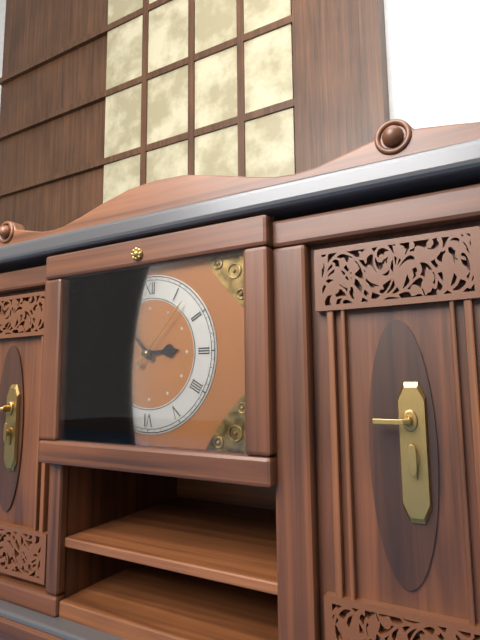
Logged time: 2,53,07
